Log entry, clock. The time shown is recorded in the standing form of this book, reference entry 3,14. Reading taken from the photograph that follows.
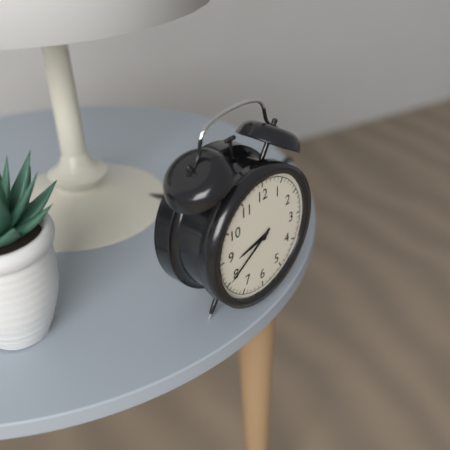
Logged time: 8,40
